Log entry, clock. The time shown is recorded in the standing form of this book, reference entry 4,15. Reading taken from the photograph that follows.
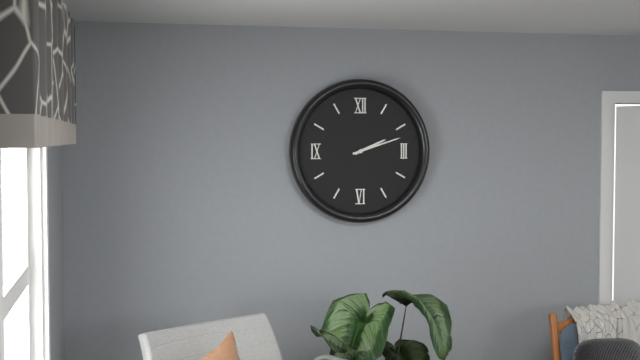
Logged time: 2,12
